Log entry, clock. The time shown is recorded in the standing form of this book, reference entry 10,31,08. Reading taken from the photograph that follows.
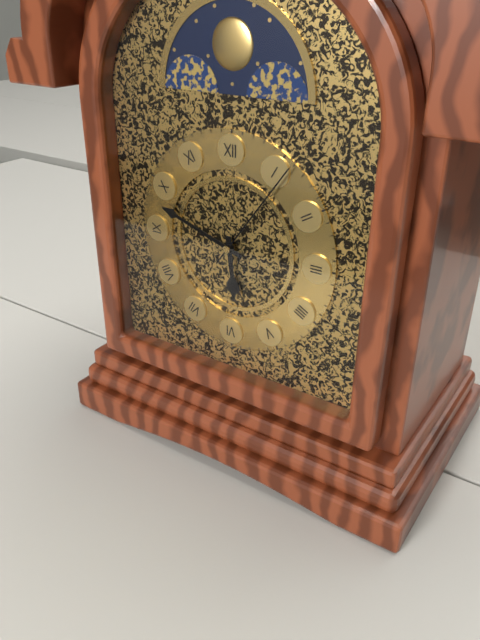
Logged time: 5,48,06
